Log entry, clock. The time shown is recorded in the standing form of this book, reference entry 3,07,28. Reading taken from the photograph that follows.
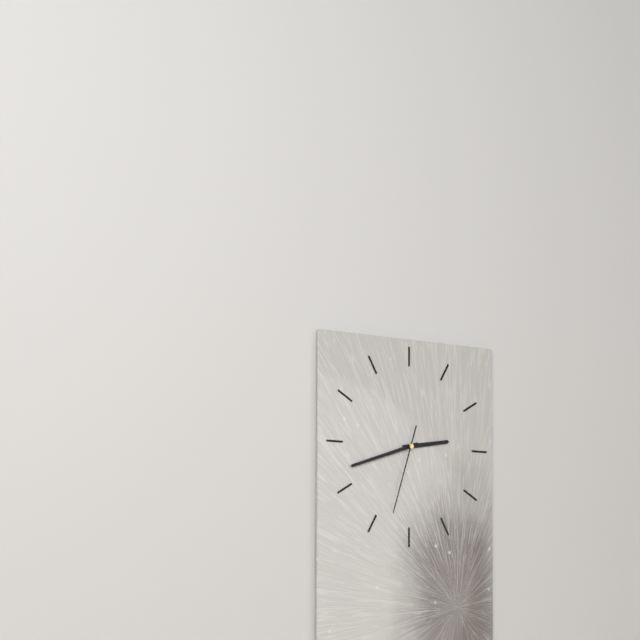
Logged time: 2,42,33
